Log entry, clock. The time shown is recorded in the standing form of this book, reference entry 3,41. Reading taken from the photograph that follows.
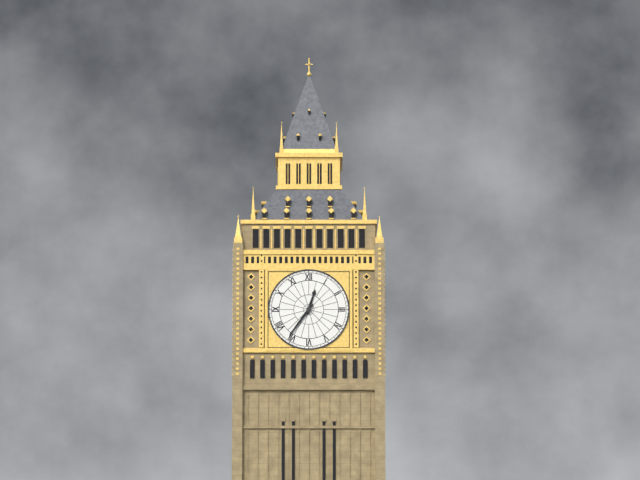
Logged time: 12,36
